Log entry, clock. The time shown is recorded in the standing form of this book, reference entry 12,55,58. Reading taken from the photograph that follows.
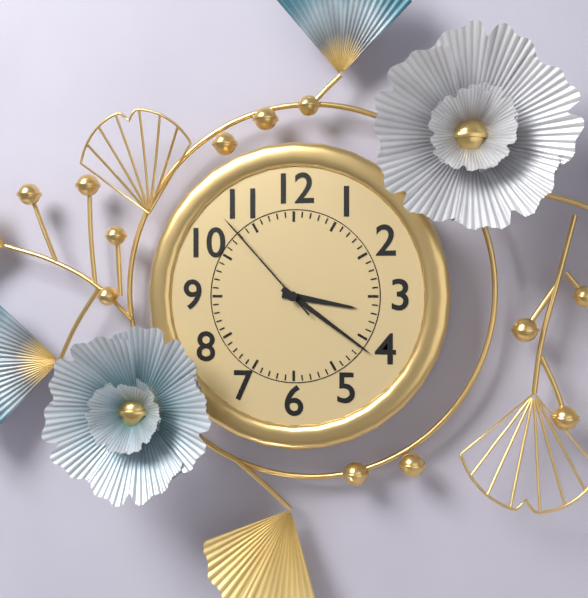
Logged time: 3,21,53
